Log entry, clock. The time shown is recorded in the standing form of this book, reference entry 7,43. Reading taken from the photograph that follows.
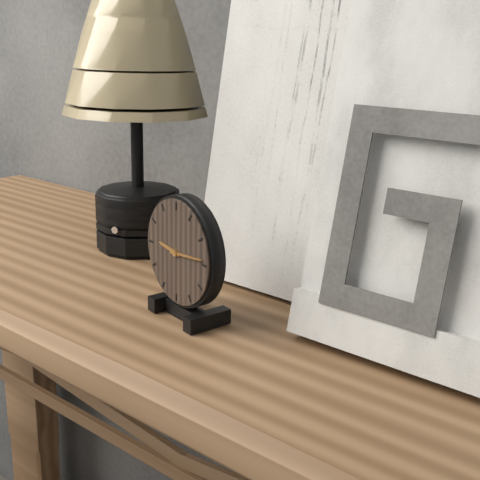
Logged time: 9,14
